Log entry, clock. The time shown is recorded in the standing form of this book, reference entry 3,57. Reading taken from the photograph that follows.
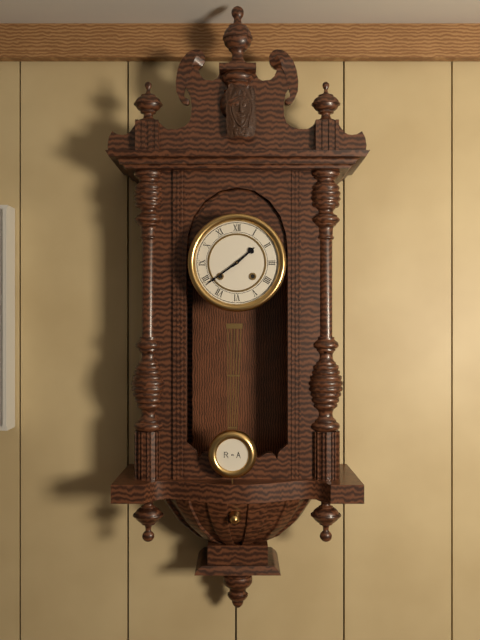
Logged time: 1,39
